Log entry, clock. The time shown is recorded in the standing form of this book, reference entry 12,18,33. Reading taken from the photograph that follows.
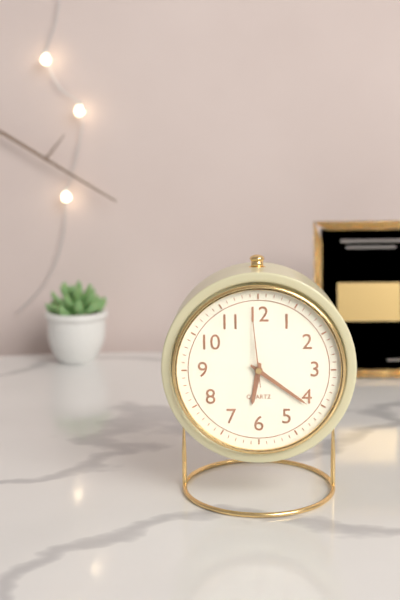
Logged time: 6,21,59
